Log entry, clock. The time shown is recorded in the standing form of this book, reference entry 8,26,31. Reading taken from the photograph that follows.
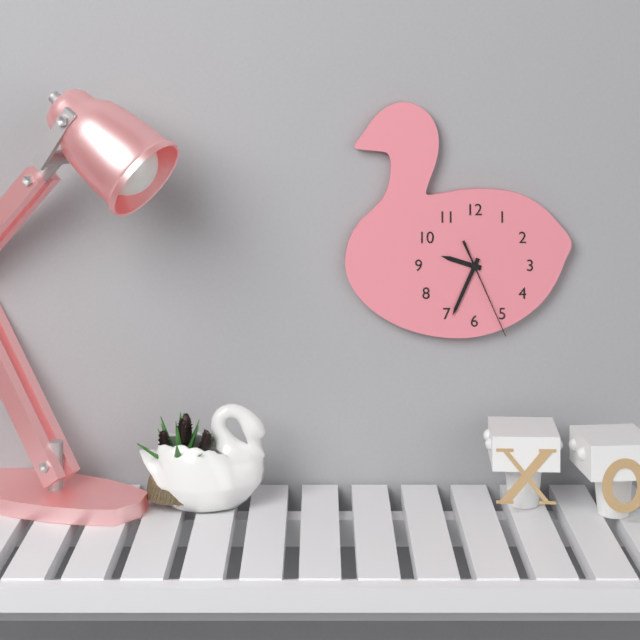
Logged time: 9,34,26
